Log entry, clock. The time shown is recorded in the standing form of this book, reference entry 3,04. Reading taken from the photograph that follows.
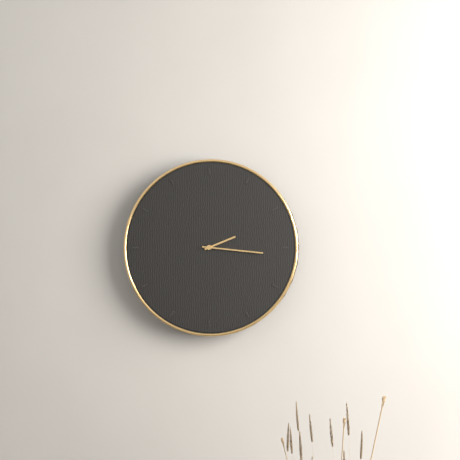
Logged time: 2,16
